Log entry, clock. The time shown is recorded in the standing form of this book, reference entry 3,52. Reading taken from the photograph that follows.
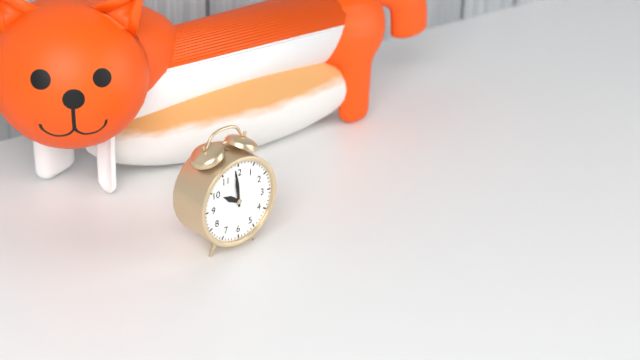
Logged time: 9,59
